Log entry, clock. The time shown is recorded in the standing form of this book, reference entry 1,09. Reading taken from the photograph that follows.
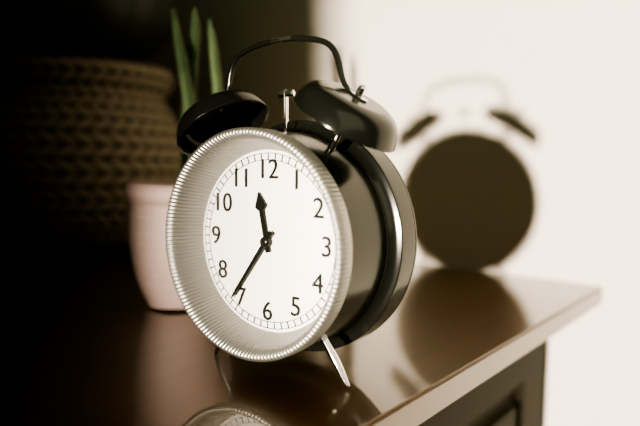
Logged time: 11,36
